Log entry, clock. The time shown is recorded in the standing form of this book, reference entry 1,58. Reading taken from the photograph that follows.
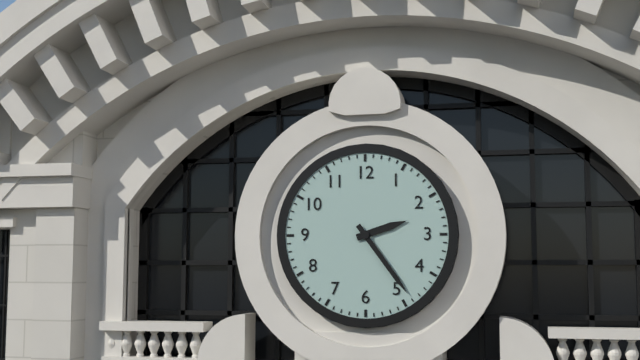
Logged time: 2,24
